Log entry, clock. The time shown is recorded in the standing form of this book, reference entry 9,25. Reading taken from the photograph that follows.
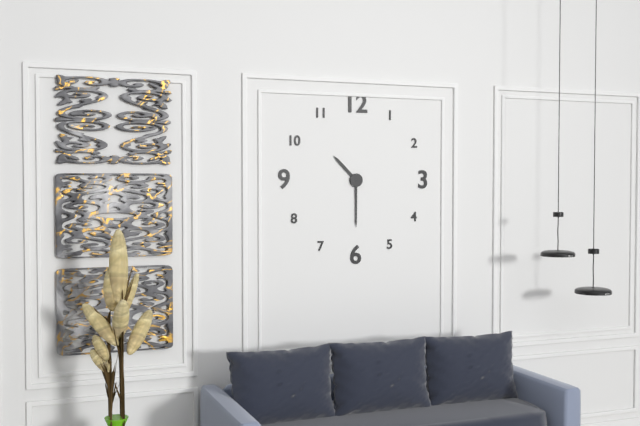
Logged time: 10,30
